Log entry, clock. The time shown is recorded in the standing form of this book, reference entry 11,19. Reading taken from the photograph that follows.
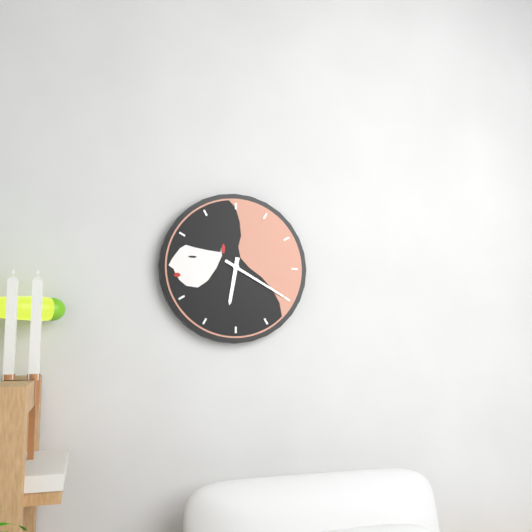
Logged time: 6,20
